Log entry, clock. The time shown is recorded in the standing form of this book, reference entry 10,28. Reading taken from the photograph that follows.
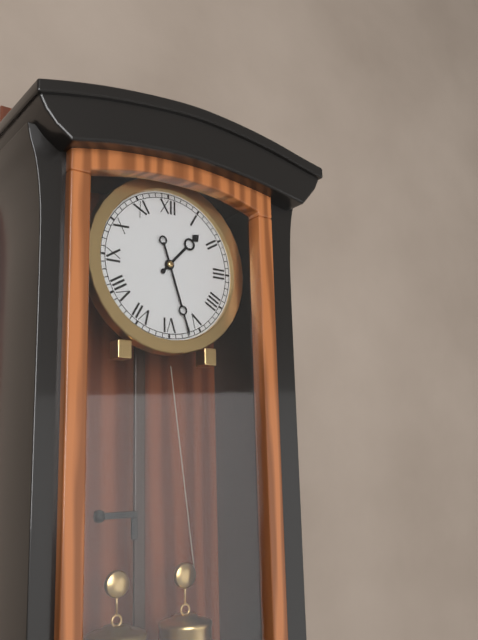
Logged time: 1,27
